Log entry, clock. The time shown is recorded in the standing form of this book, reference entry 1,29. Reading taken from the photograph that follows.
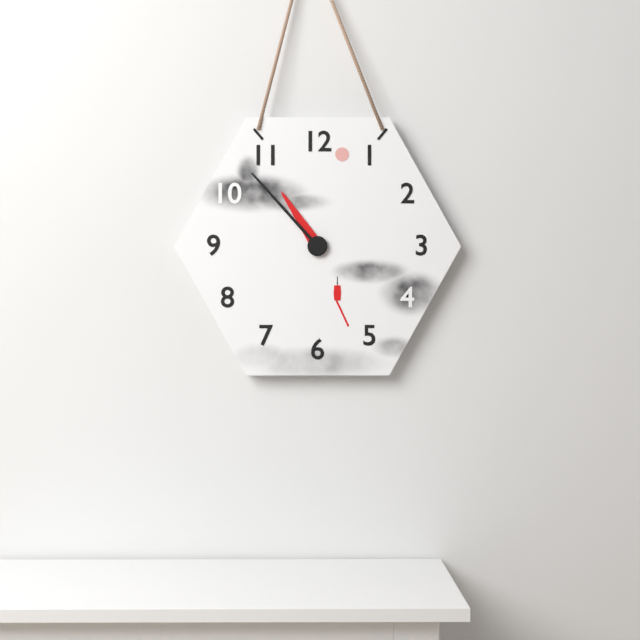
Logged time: 10,53
